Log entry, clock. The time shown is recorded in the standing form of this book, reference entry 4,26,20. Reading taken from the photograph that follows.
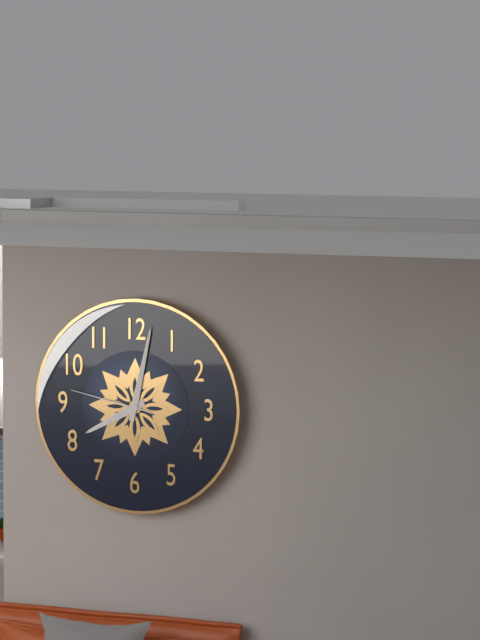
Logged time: 8,02,47
